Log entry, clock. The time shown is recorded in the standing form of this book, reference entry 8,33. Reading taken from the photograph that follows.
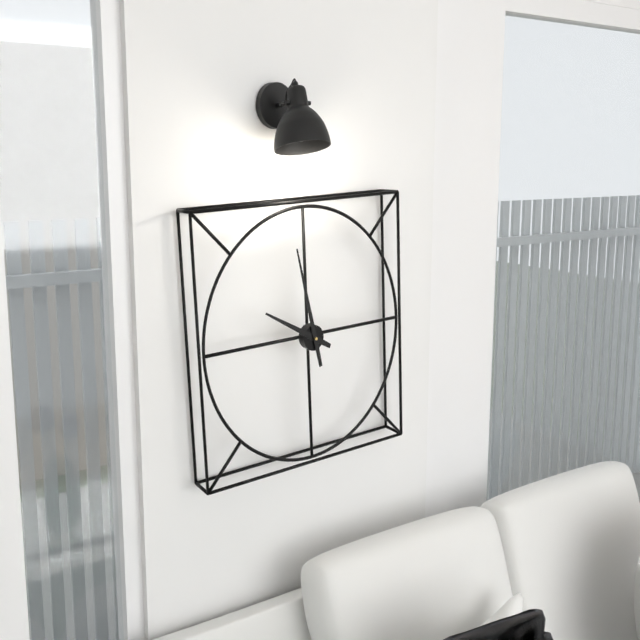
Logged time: 9,58
